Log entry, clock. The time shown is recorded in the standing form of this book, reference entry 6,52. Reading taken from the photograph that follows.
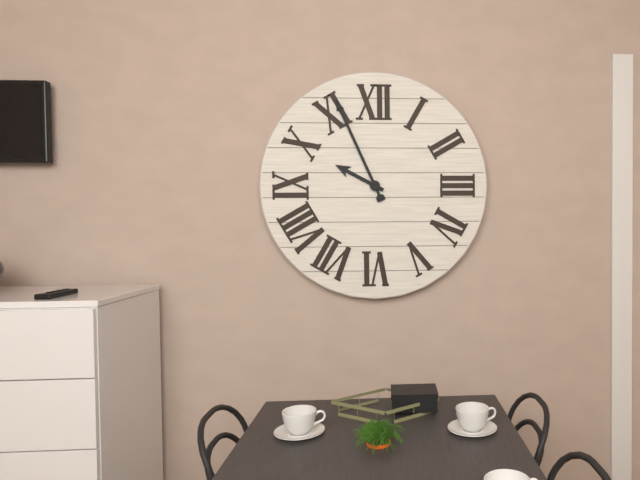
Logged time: 9,56
